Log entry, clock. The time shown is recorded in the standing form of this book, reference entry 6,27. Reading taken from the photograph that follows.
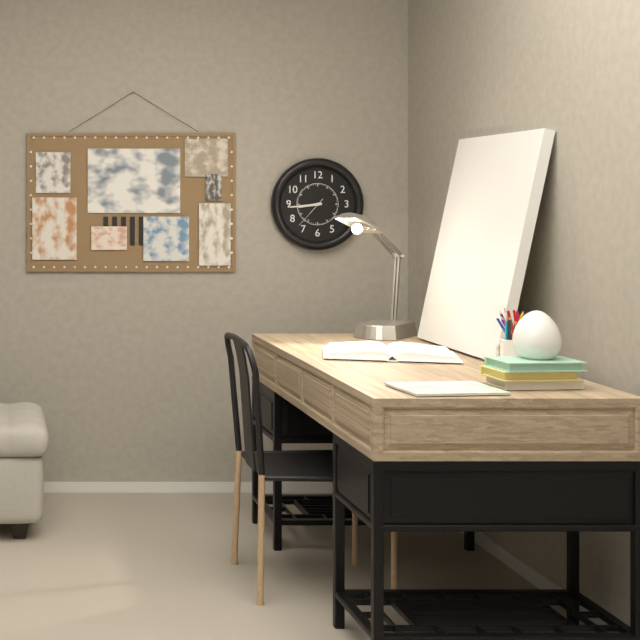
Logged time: 8,44
